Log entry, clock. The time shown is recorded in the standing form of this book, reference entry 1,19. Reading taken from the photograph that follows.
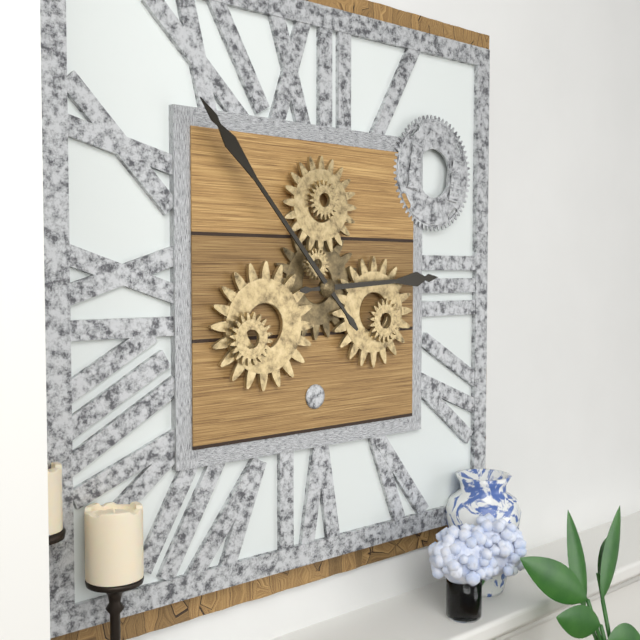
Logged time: 2,53
